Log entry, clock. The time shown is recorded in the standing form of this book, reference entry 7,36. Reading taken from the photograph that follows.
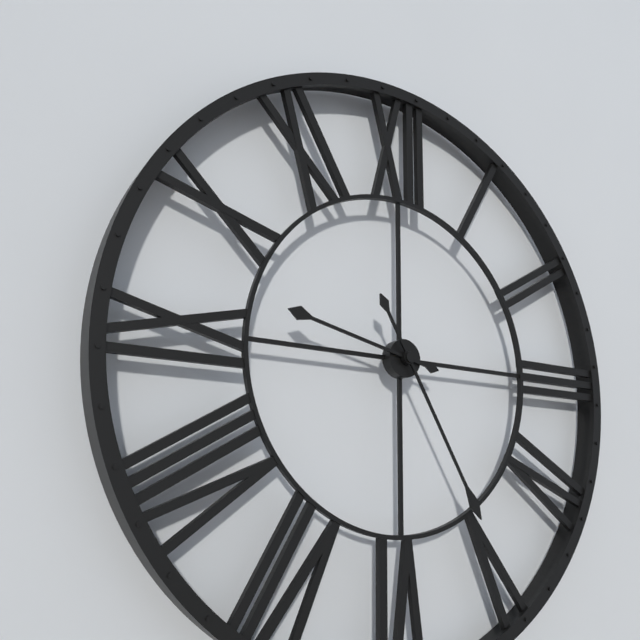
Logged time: 9,25
